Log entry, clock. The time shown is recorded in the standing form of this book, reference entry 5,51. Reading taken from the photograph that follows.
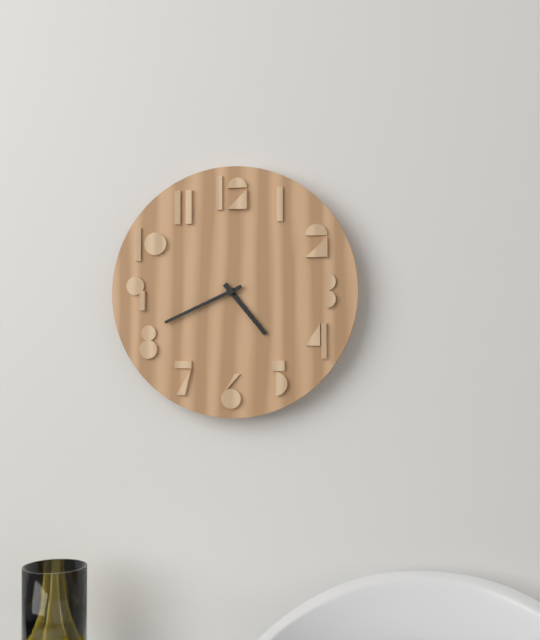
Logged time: 4,41
